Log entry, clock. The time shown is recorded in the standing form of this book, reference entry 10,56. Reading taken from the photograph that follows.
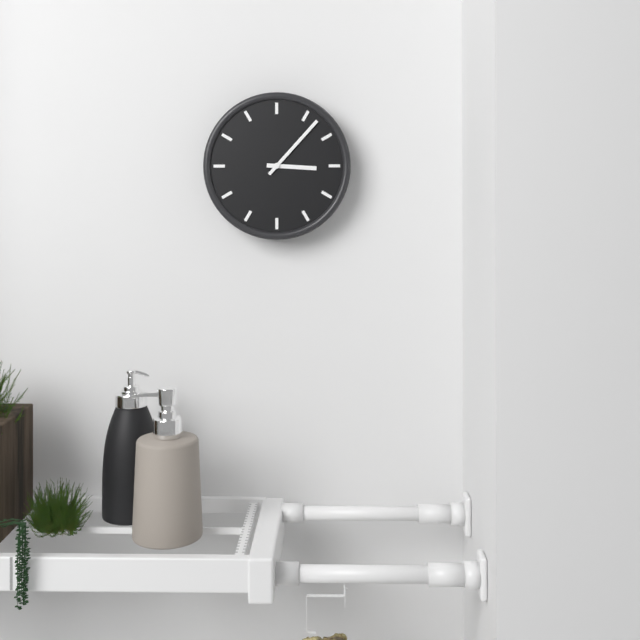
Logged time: 3,07
